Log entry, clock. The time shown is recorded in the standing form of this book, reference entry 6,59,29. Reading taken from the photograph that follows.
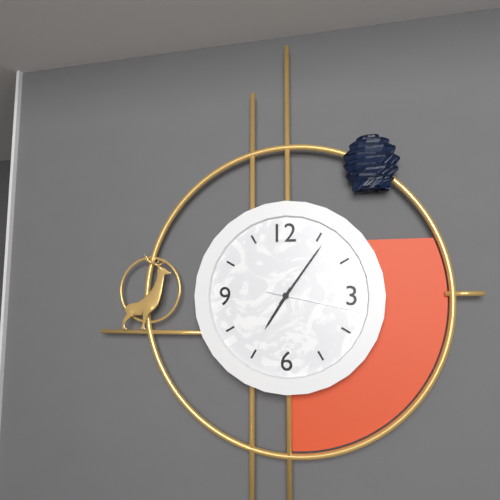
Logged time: 7,06,17
